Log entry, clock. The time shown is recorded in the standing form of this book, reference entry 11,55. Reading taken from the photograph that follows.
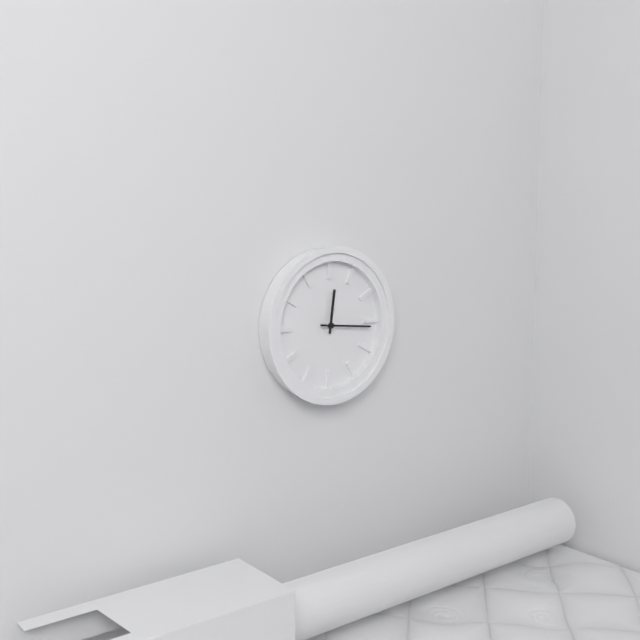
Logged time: 12,16
